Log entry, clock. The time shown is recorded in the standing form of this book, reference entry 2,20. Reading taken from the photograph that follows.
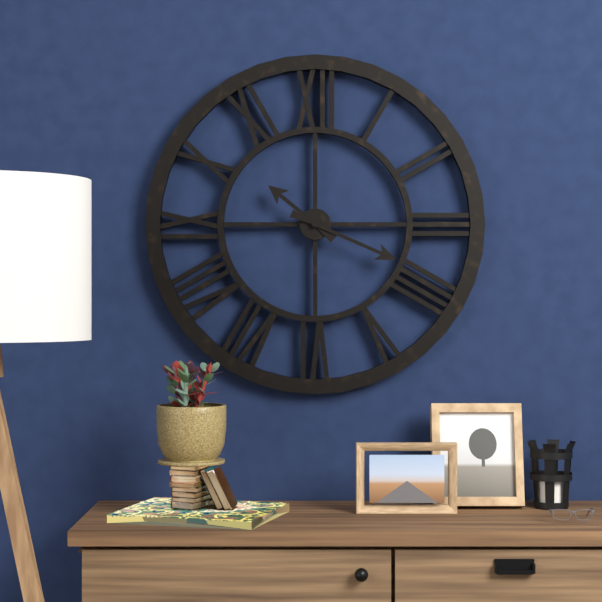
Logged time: 10,19
